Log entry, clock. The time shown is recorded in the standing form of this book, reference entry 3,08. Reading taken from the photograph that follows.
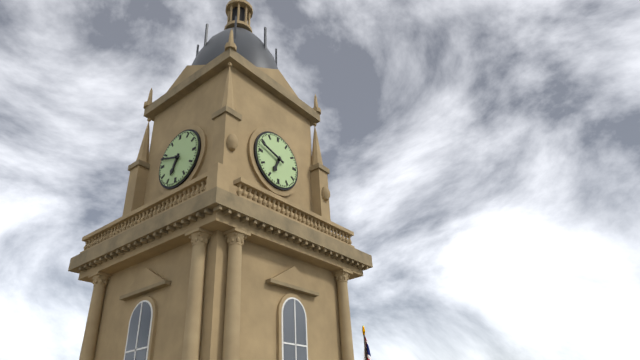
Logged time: 6,48
